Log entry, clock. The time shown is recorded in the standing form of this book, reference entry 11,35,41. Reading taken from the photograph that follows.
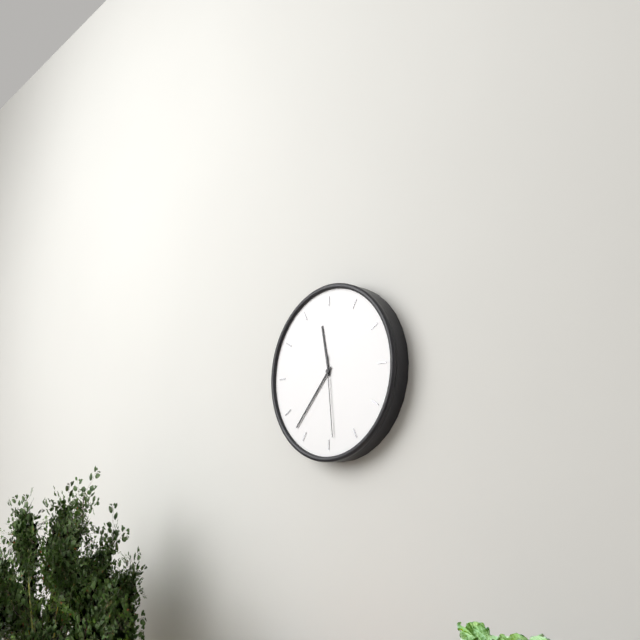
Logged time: 11,37,29
